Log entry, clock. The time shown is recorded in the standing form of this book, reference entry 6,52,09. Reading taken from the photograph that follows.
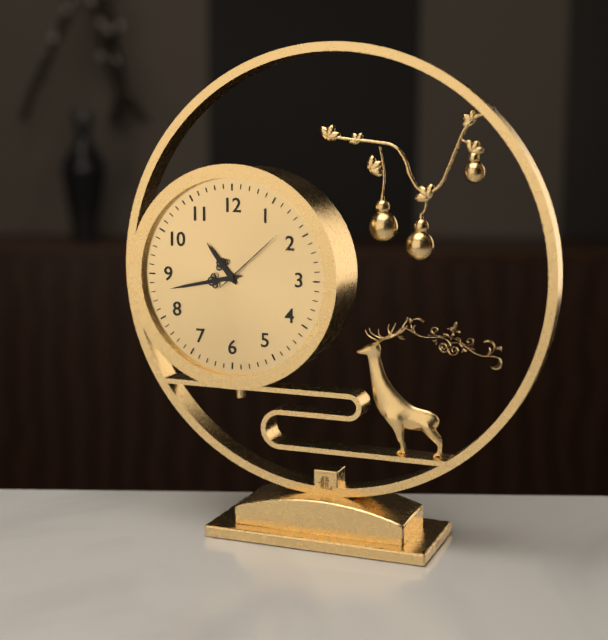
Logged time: 10,43,08
